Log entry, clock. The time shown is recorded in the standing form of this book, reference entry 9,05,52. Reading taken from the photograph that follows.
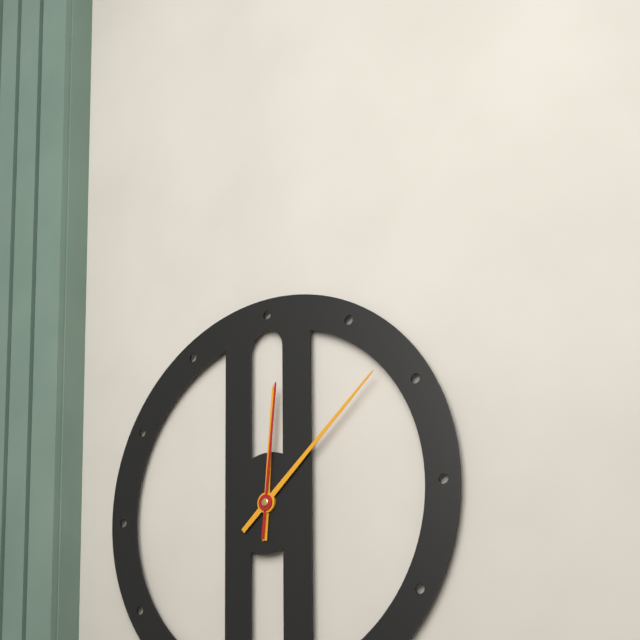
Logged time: 12,08,01
